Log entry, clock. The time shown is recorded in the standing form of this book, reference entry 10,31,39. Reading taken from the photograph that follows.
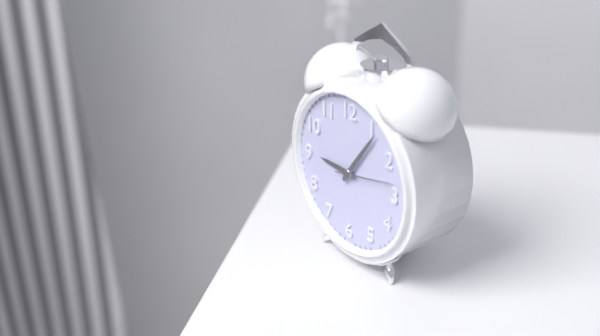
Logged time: 9,06,13
